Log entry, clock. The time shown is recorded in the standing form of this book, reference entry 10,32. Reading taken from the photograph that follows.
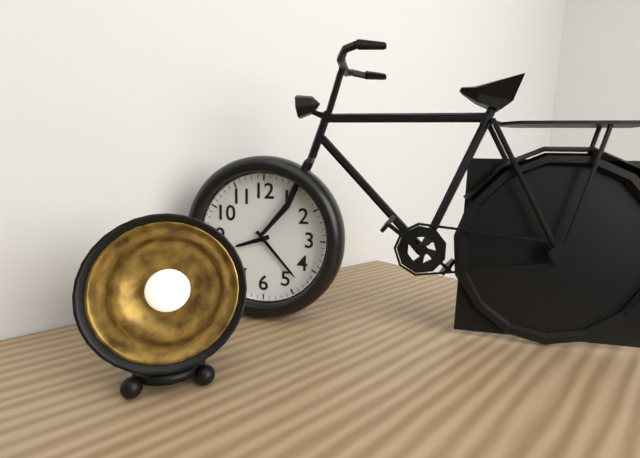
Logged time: 8,23
